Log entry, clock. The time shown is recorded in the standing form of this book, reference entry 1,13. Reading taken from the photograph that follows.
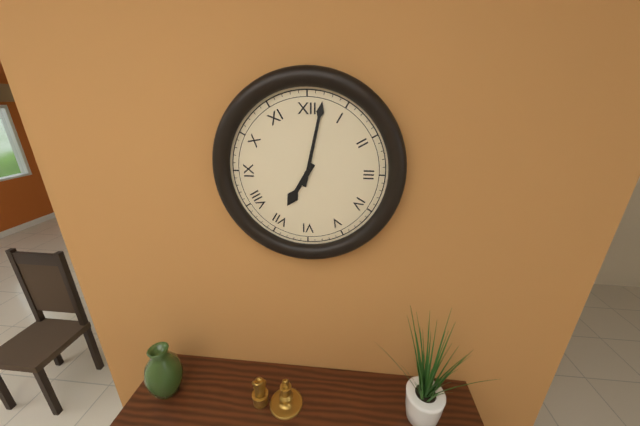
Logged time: 7,02
